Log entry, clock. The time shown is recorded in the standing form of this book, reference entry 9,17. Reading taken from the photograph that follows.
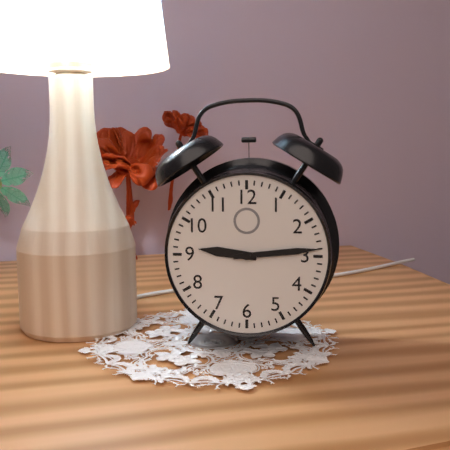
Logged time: 9,14
